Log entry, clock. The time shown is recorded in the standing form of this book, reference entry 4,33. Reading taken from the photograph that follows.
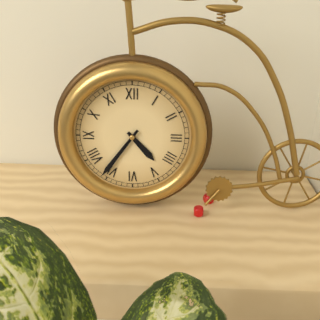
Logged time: 4,36
